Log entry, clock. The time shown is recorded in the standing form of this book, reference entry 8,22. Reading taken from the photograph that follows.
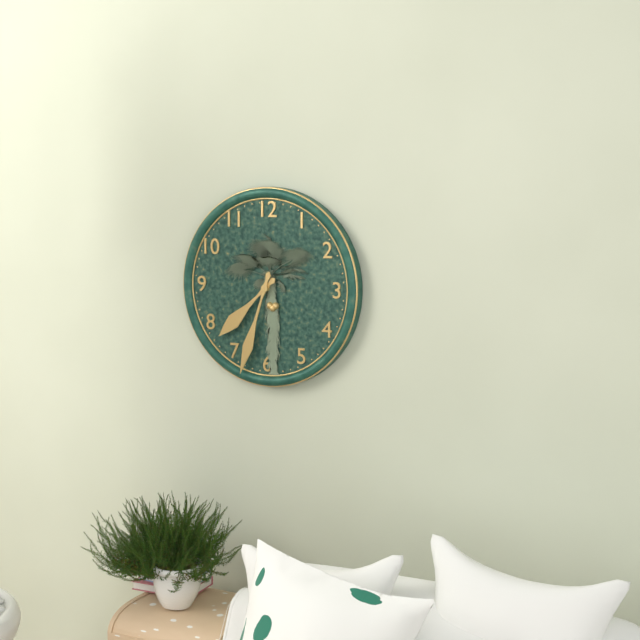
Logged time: 7,33
